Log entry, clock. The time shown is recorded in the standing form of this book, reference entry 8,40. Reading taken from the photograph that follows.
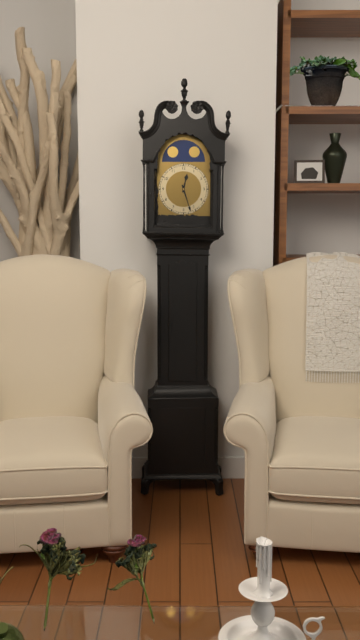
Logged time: 12,27
